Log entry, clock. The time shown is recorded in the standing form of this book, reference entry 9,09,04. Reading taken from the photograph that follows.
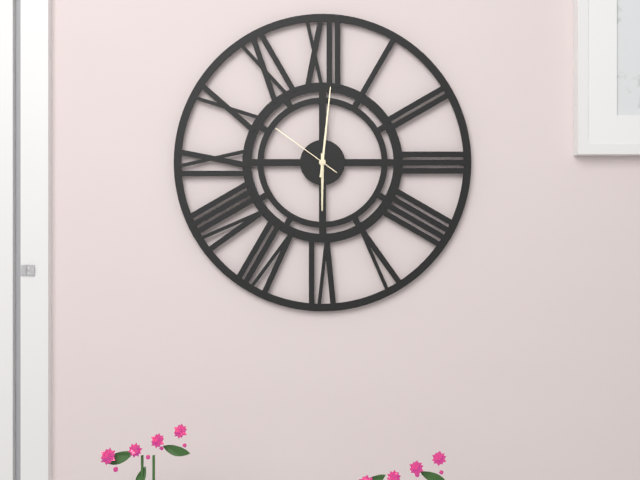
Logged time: 6,01,51
